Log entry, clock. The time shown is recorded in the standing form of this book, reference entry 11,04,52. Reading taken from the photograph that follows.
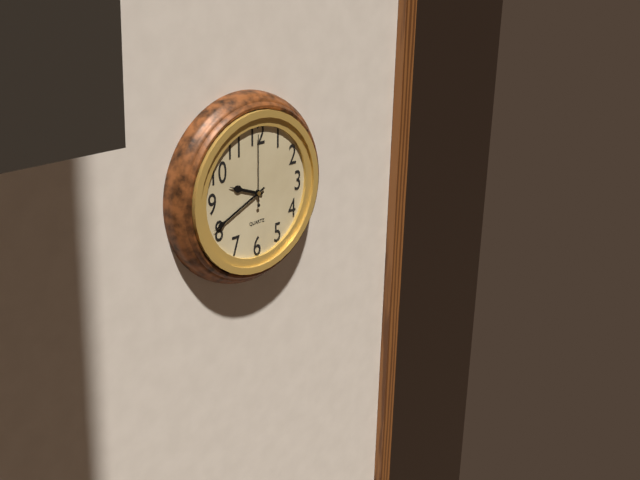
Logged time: 9,41,00
